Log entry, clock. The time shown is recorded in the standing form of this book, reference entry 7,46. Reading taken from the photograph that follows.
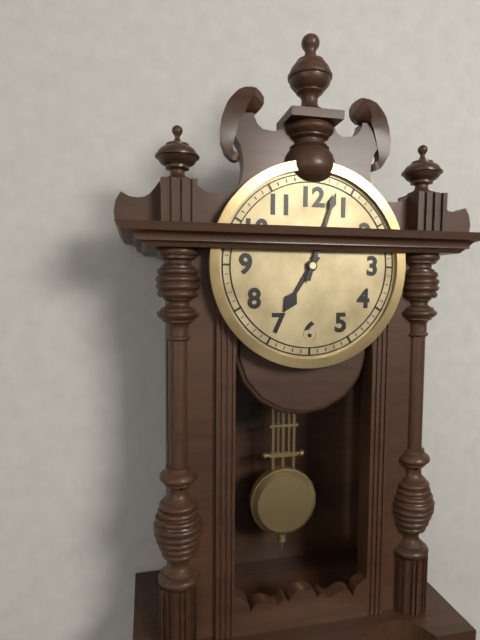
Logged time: 7,03
